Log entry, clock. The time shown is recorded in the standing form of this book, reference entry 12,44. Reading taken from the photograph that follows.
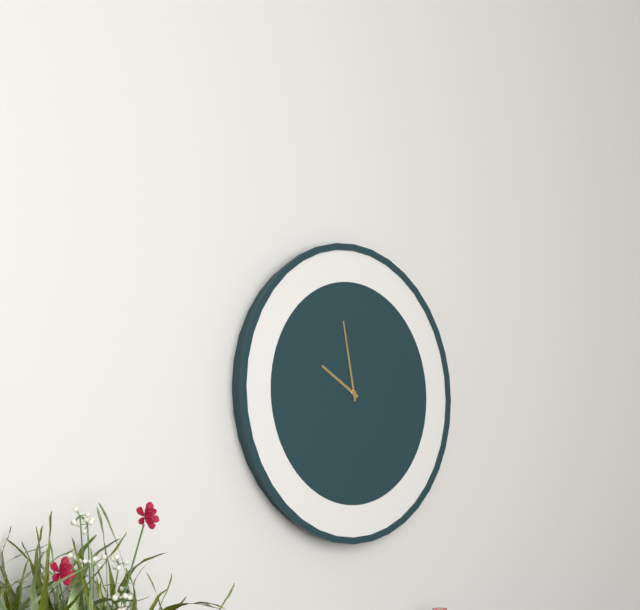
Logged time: 9,58
